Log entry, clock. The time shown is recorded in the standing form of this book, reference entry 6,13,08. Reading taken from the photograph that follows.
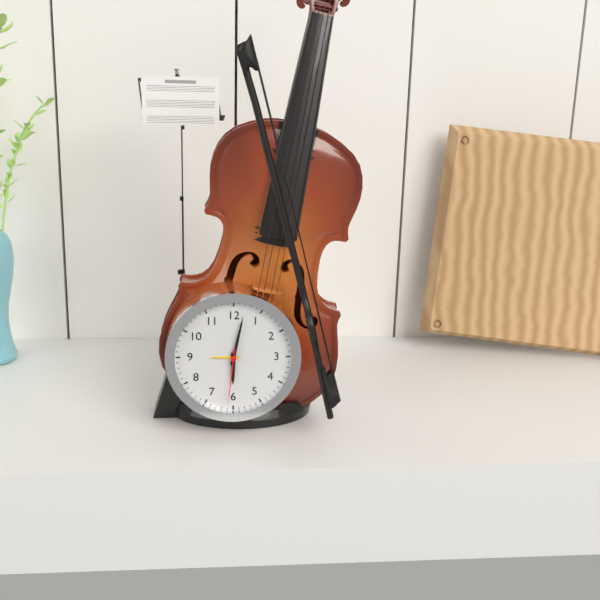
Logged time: 6,02,31
